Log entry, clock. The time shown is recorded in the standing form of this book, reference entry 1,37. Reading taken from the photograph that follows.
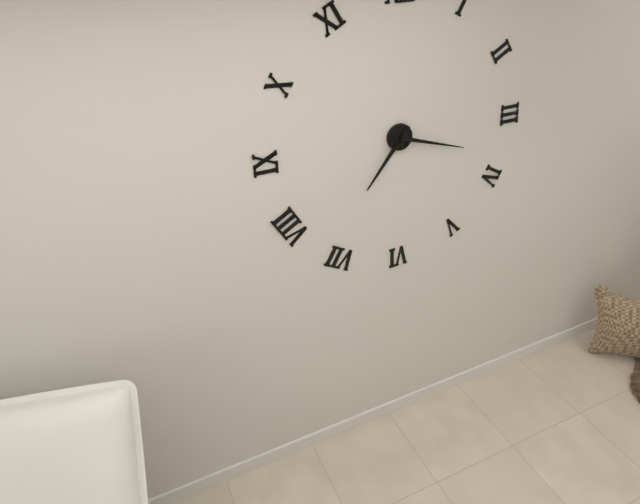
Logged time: 7,18
